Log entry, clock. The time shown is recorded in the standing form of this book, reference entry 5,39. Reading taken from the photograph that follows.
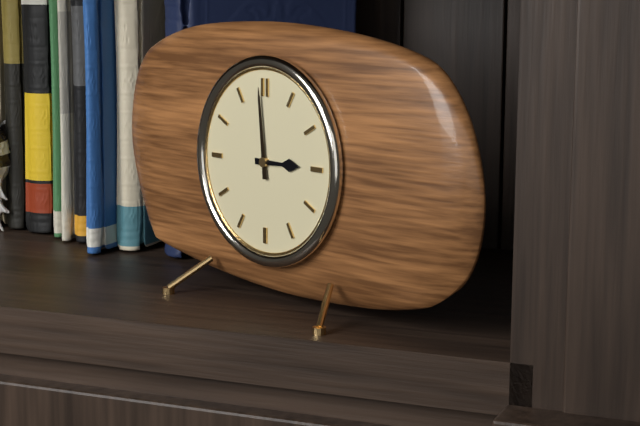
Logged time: 2,59
